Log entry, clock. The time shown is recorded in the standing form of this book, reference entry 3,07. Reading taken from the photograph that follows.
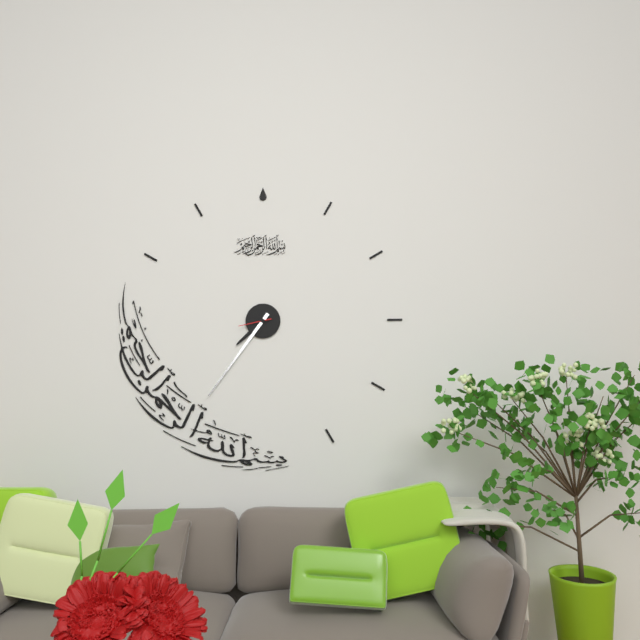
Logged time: 7,36
